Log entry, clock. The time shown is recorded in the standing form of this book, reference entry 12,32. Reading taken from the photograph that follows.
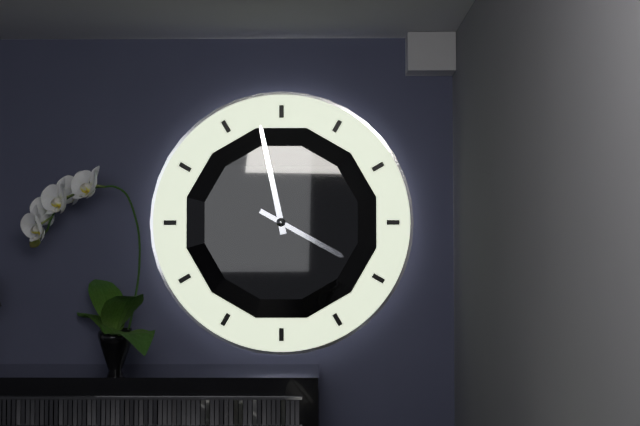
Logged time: 3,58
